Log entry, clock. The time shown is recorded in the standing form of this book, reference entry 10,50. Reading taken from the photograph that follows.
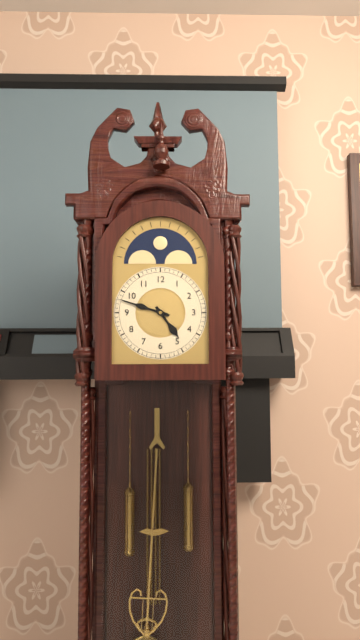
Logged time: 4,48
